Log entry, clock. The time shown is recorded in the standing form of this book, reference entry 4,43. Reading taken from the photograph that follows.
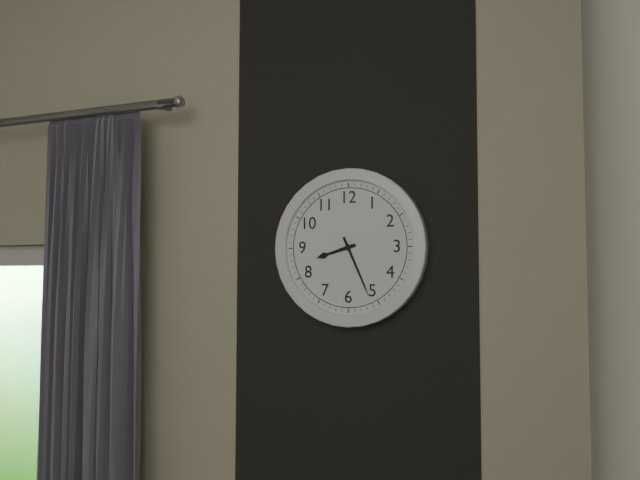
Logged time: 8,26
